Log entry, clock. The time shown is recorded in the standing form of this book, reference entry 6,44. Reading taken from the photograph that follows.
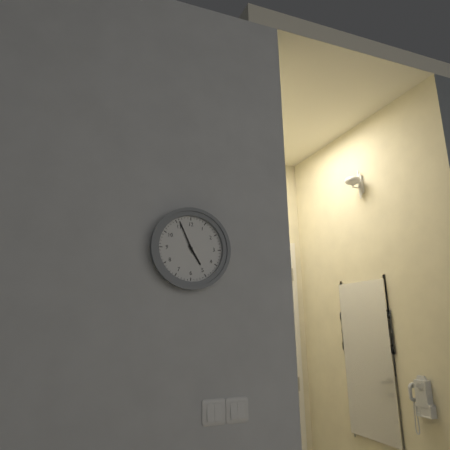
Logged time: 4,56
